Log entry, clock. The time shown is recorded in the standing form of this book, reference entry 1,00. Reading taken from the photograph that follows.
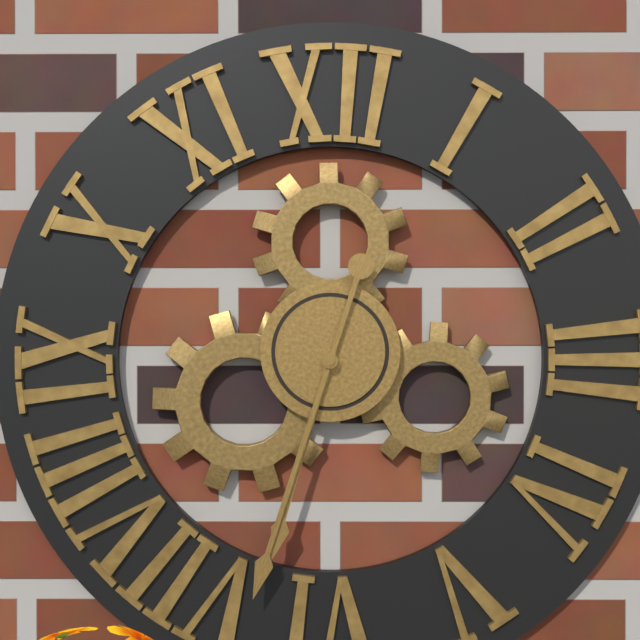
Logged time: 6,33
